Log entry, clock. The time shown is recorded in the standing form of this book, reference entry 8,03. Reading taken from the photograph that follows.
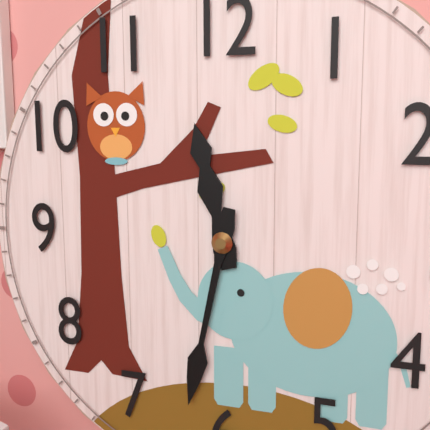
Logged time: 11,32
